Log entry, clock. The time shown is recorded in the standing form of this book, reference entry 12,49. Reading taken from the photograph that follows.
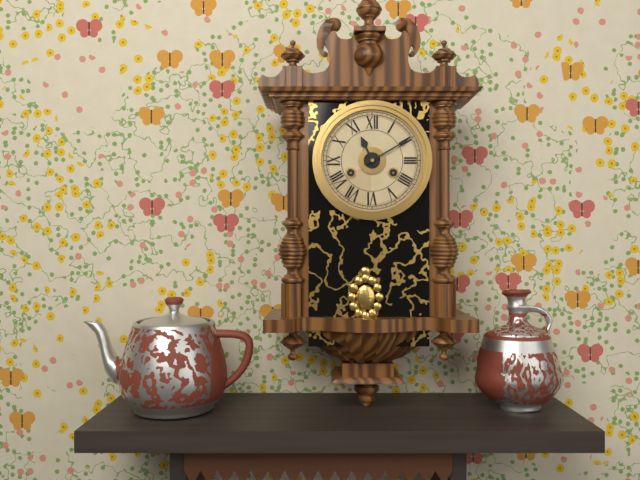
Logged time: 11,10
